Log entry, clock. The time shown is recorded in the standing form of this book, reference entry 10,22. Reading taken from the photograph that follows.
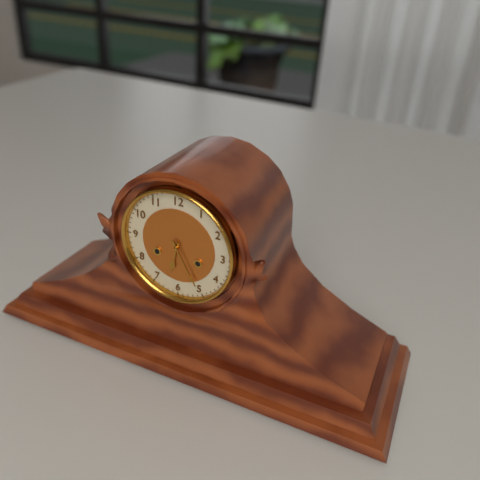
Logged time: 6,25
